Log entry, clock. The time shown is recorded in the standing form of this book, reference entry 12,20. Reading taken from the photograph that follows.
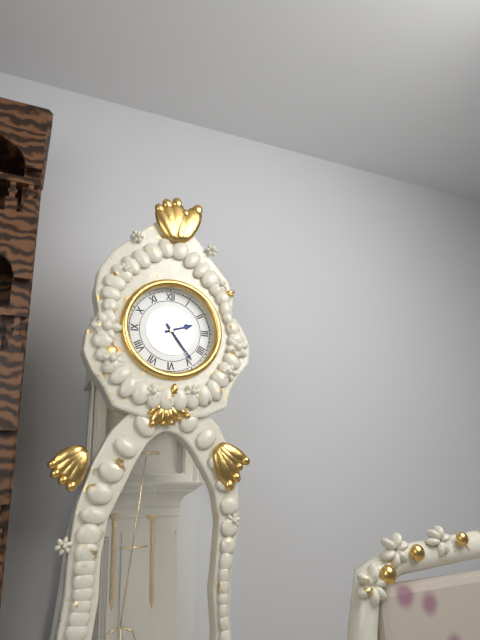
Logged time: 2,24
